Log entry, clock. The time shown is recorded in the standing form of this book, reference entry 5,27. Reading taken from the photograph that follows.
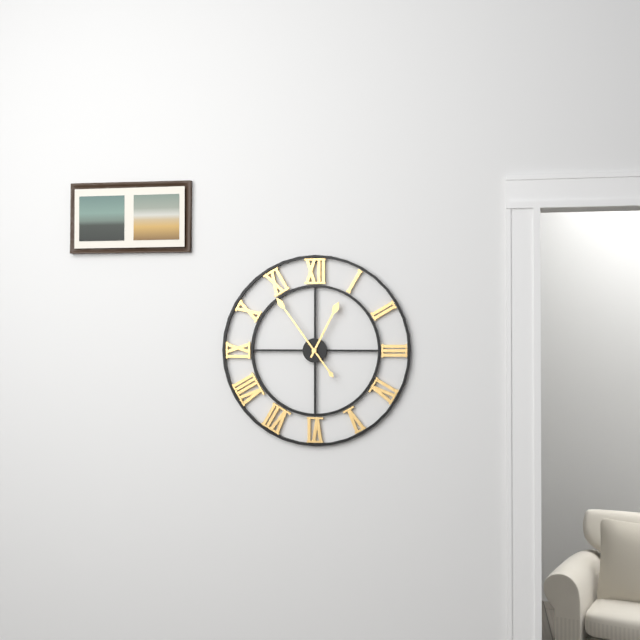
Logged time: 12,54
